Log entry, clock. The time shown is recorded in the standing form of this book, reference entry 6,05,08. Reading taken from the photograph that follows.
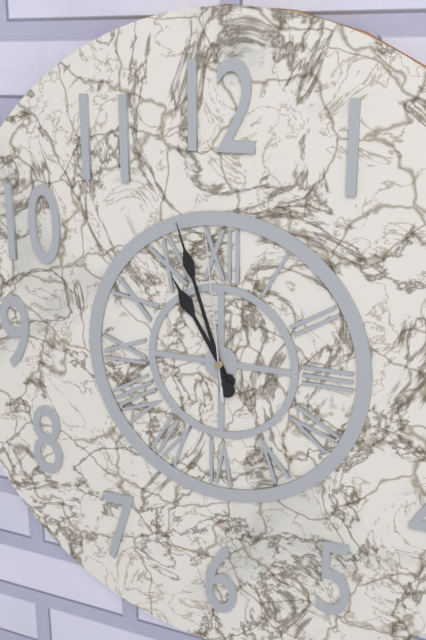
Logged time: 10,57,59
